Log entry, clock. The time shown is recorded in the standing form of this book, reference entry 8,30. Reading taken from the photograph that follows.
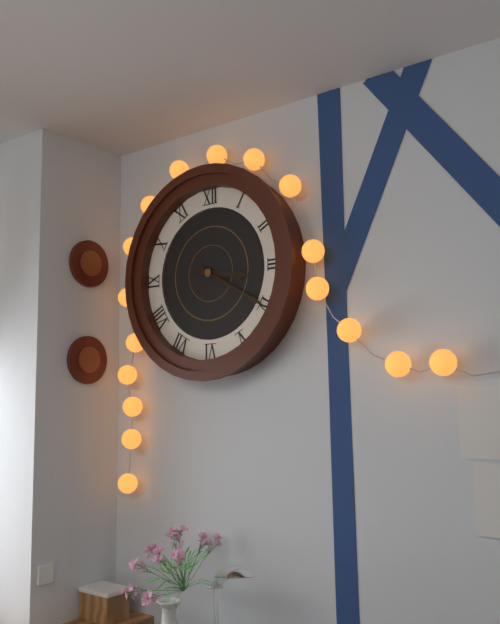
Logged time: 3,20
